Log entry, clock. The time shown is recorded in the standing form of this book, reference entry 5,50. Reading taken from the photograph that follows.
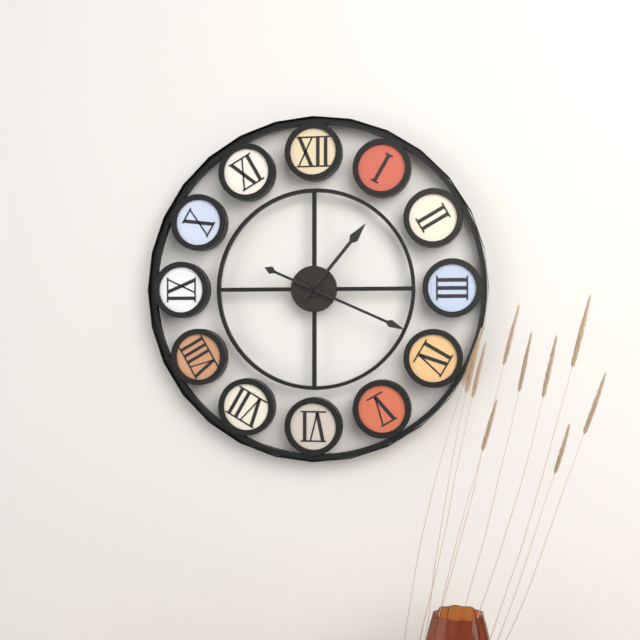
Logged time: 1,19
